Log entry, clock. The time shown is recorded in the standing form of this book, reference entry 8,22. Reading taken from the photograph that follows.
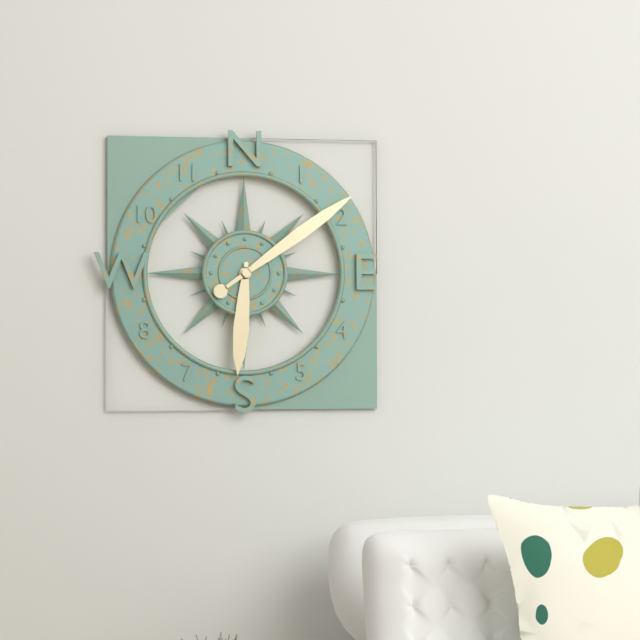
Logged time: 6,09
